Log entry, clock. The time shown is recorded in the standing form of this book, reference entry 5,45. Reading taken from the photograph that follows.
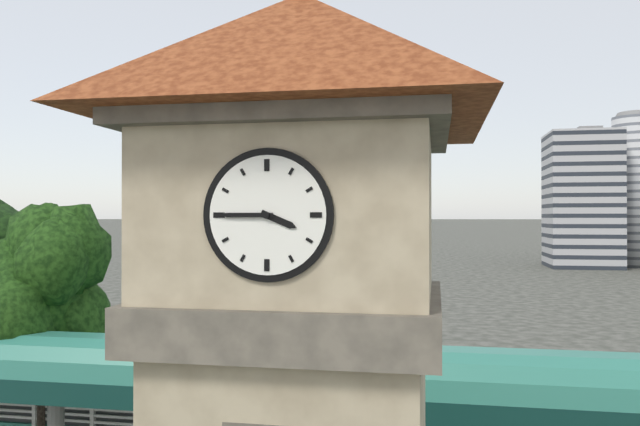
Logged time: 3,45
